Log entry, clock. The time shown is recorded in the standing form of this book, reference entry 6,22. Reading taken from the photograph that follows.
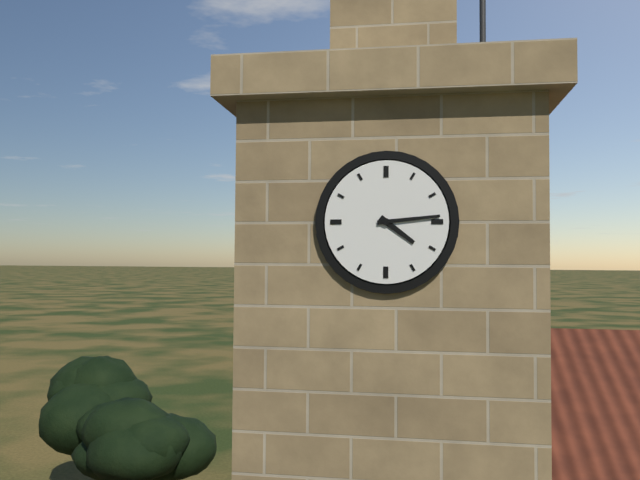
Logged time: 4,14
